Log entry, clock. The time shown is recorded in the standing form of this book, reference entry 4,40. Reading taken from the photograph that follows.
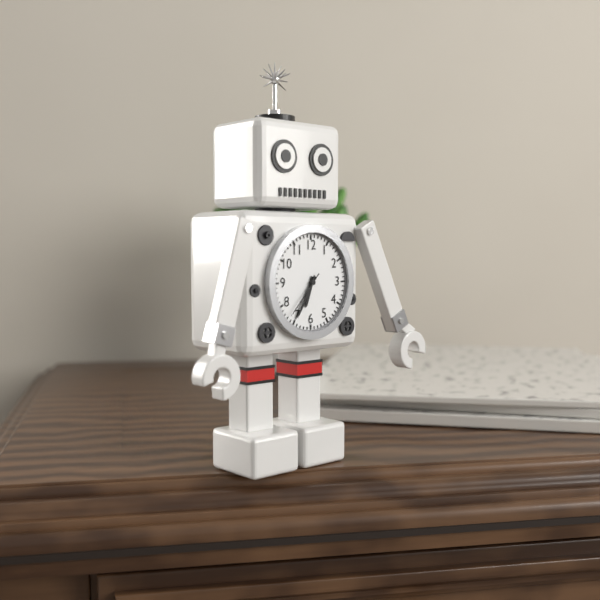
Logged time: 6,35
